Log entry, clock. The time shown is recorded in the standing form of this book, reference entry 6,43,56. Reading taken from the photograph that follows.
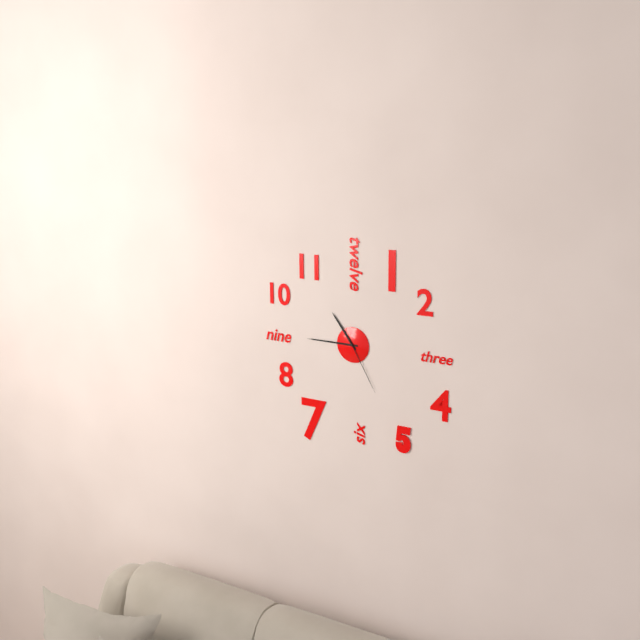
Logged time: 10,45,25
